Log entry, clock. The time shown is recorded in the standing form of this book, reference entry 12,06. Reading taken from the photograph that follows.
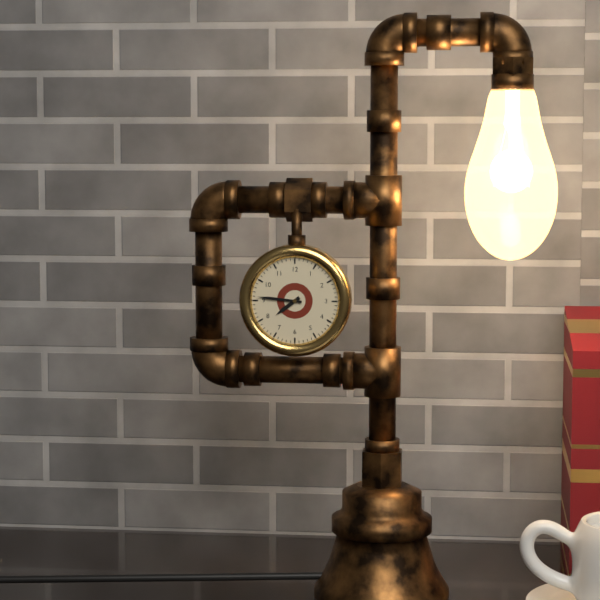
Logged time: 7,46
